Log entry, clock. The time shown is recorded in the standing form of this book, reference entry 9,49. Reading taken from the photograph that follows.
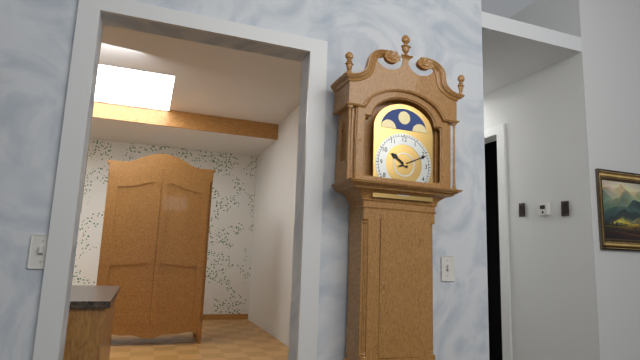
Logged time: 10,11
